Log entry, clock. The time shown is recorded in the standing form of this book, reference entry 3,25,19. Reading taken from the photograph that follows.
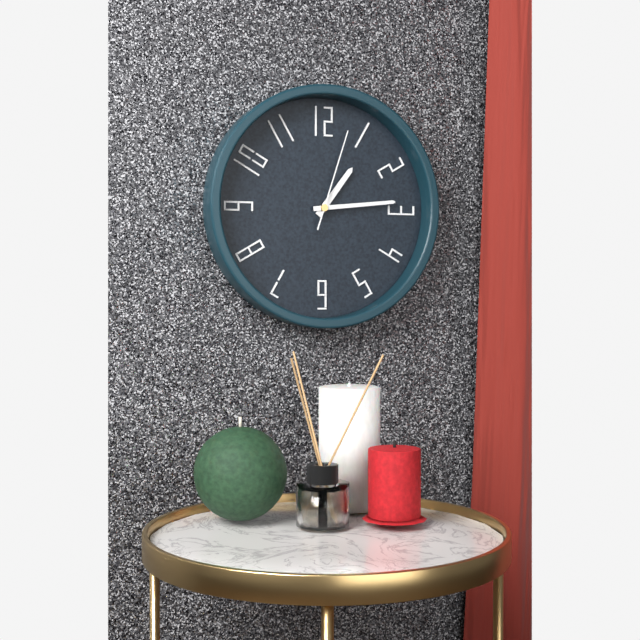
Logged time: 1,14,03
